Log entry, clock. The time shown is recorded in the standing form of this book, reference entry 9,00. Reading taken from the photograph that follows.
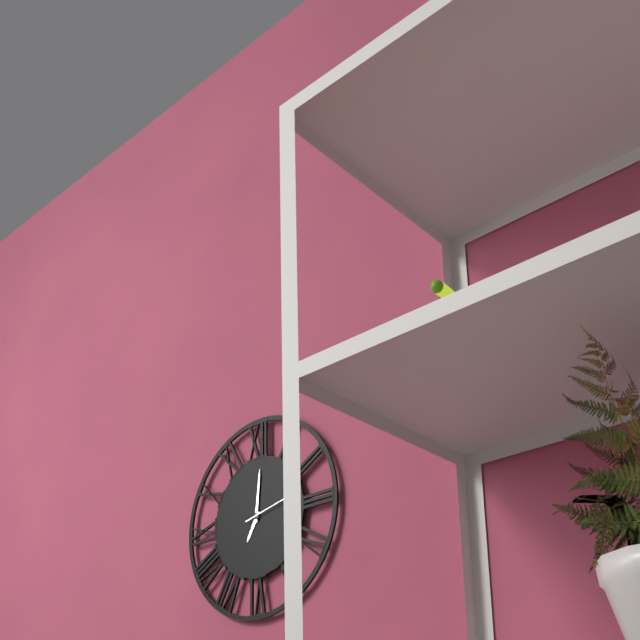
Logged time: 7,01
